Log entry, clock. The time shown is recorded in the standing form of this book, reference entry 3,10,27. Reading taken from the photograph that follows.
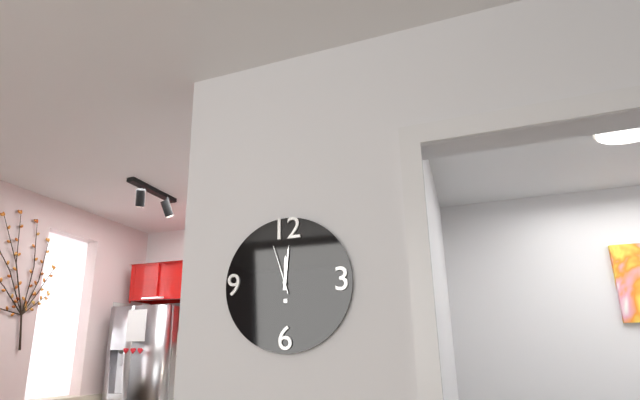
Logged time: 12,01,57
